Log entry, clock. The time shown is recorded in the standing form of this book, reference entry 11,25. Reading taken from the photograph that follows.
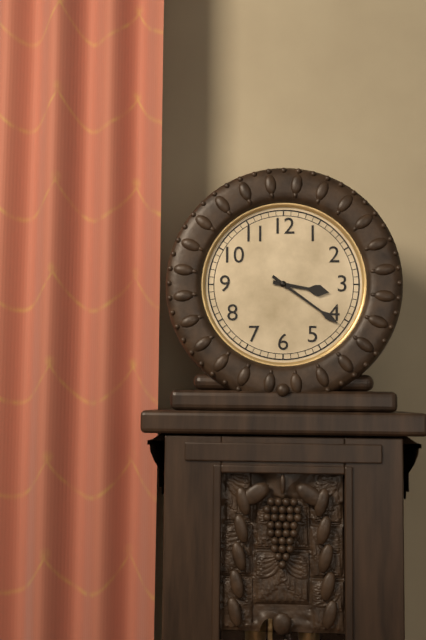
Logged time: 3,21
